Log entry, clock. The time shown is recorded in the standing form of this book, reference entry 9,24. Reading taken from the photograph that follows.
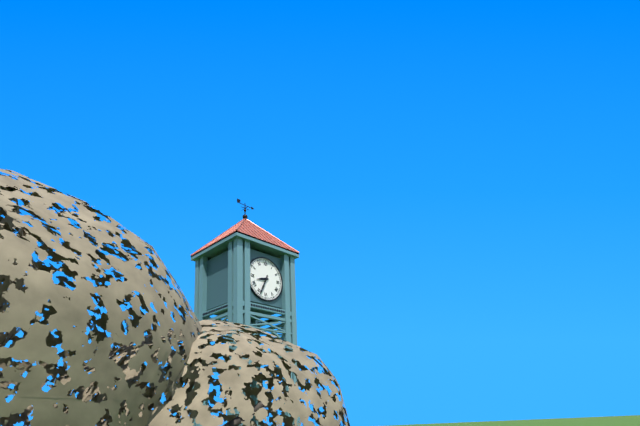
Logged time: 8,34
